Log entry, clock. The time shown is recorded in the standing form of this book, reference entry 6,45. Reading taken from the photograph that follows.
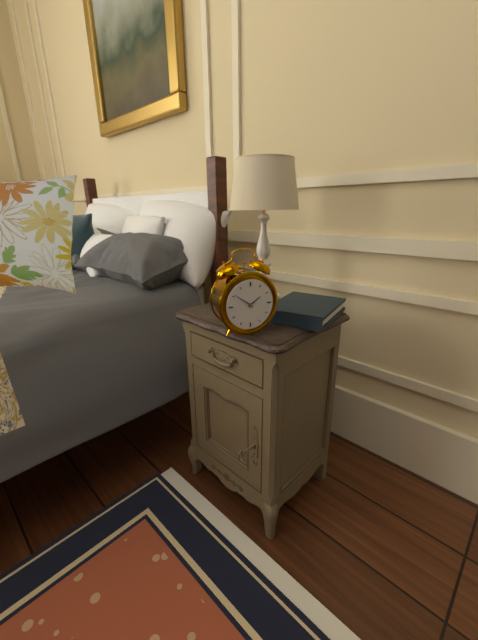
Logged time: 1,51
